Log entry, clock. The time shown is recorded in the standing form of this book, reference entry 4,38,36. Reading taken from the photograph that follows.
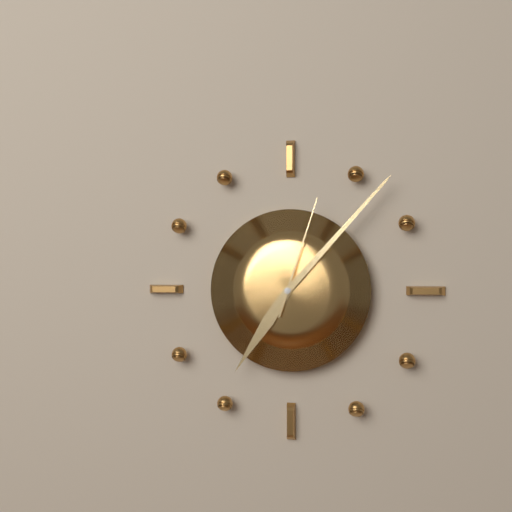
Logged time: 7,07,03
